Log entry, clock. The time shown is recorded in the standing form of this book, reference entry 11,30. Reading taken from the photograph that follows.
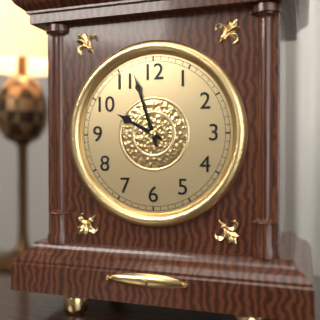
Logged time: 9,57
